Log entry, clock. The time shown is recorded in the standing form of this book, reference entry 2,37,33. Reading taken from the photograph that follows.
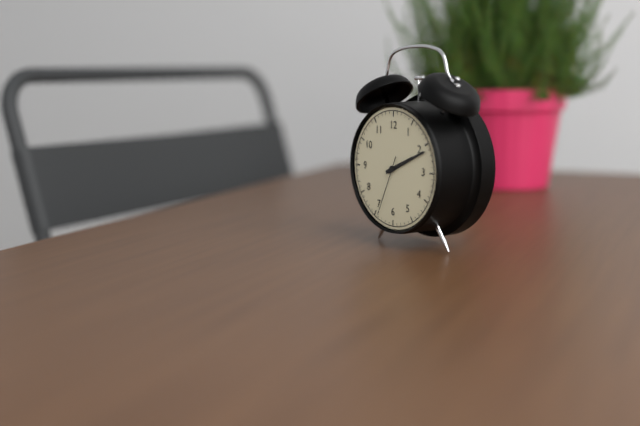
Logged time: 2,11,34
